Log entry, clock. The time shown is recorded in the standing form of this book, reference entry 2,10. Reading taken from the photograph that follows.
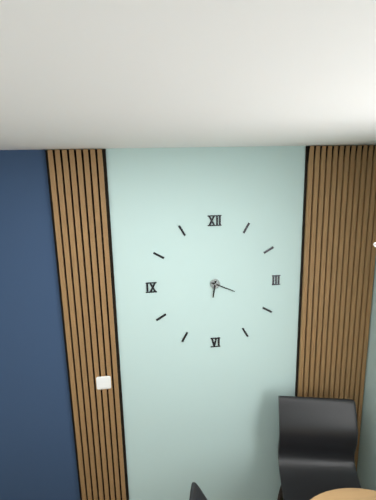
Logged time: 6,19
